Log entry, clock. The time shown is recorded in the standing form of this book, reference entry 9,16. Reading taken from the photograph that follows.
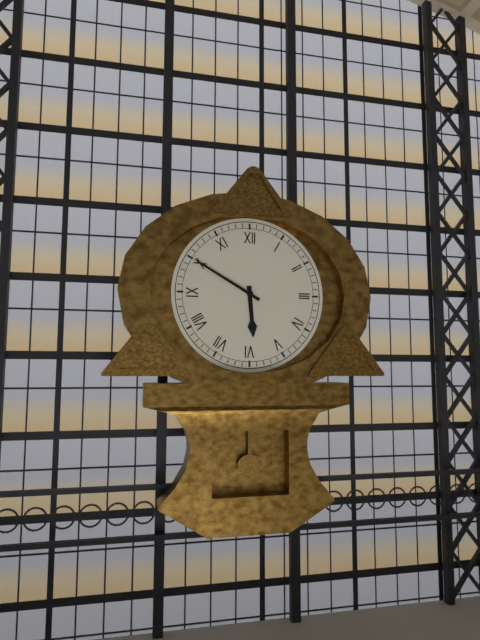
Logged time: 5,50
